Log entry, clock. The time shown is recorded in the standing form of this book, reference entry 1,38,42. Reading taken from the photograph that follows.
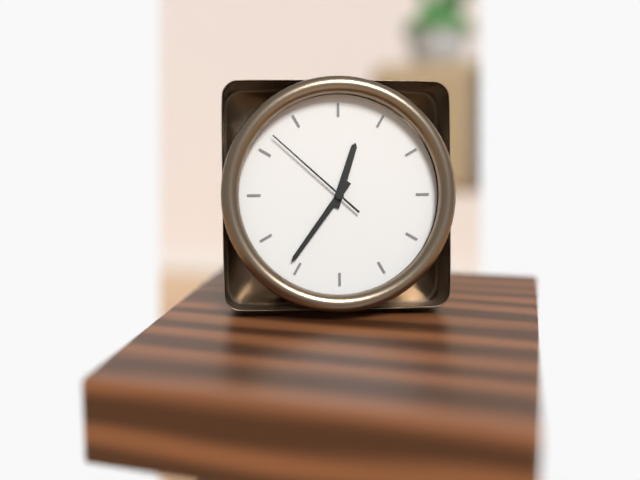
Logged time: 12,36,52
